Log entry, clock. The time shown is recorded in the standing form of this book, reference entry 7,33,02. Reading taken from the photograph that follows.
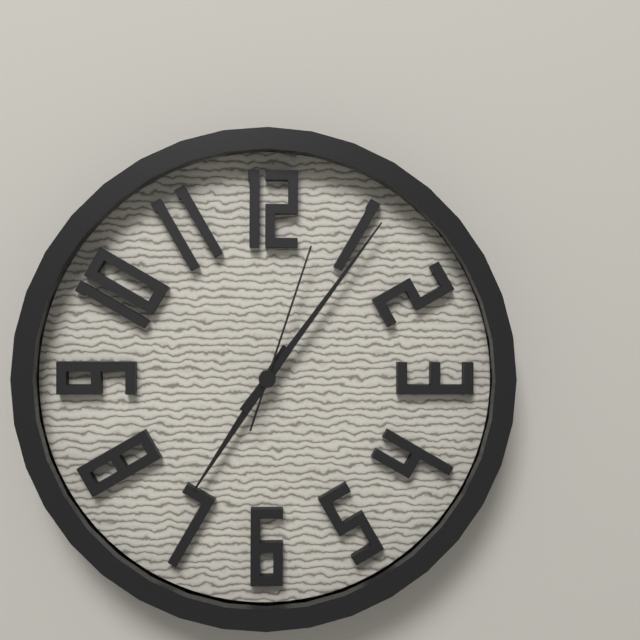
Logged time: 7,06,03
